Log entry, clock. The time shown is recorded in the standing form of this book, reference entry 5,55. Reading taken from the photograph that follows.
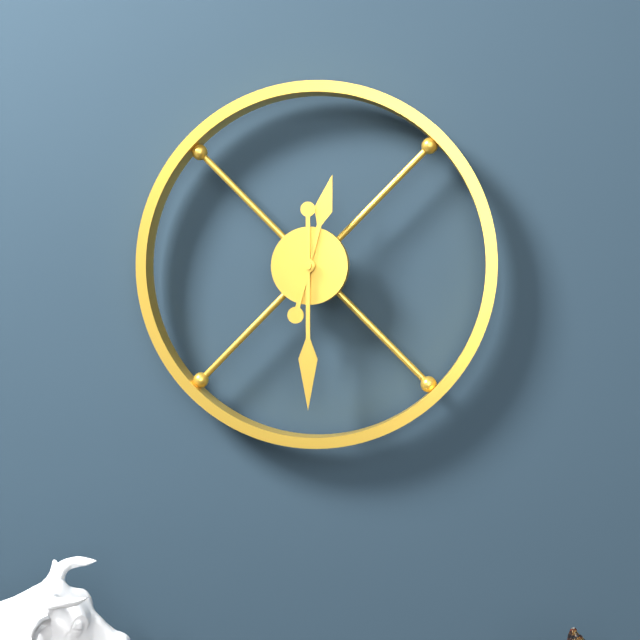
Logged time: 12,30
